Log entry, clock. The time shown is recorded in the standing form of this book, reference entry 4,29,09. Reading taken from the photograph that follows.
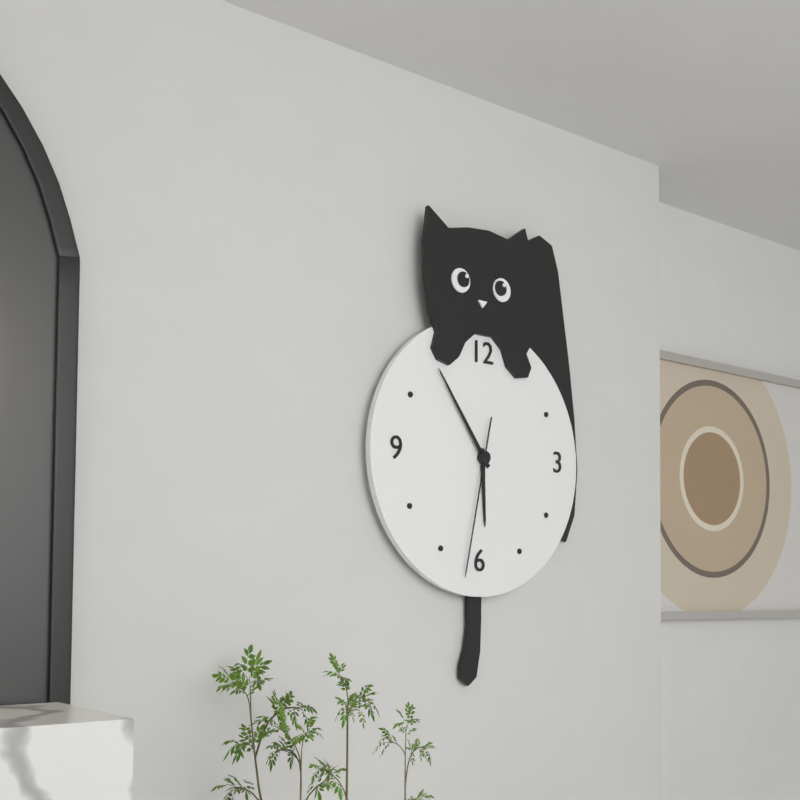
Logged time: 5,54,32
